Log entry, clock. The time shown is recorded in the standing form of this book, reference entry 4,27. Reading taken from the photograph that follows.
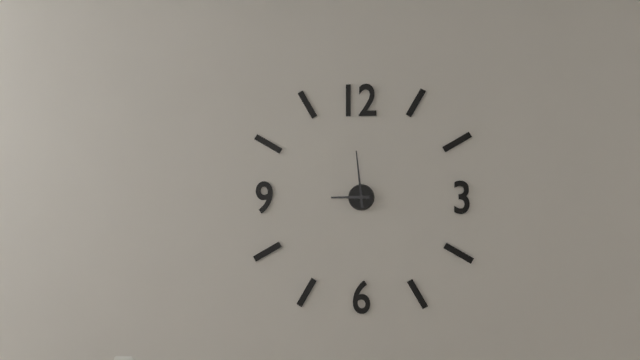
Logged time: 8,59
